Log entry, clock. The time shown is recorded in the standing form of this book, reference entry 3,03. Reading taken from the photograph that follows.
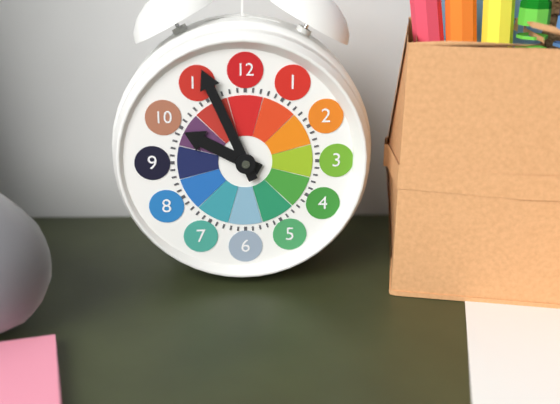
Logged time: 9,56
